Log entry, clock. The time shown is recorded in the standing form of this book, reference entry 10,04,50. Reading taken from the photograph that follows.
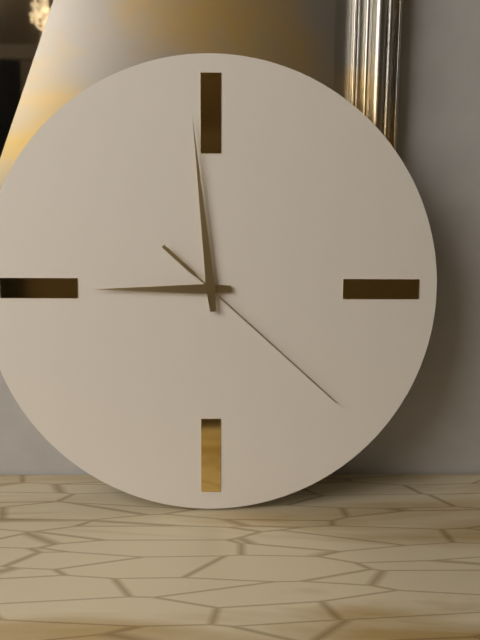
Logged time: 8,59,22
